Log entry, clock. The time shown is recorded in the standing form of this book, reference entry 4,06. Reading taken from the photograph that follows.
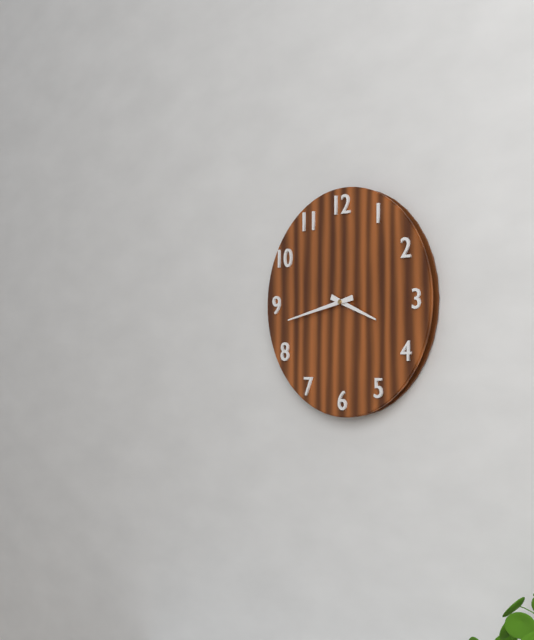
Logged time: 3,43
